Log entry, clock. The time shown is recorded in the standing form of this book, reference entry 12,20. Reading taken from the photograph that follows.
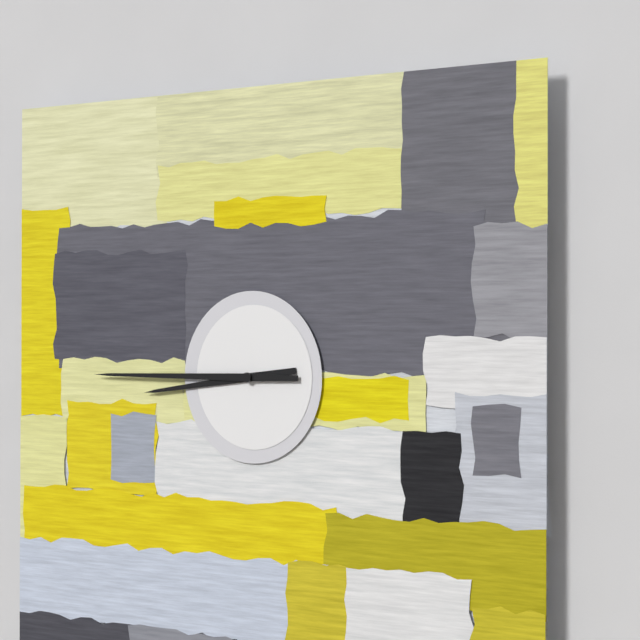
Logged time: 8,45
